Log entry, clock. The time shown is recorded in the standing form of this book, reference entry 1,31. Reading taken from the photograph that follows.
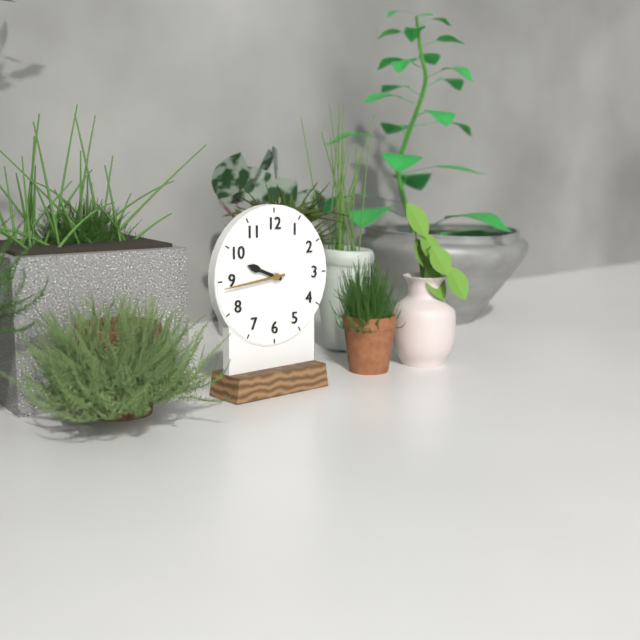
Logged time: 9,44
